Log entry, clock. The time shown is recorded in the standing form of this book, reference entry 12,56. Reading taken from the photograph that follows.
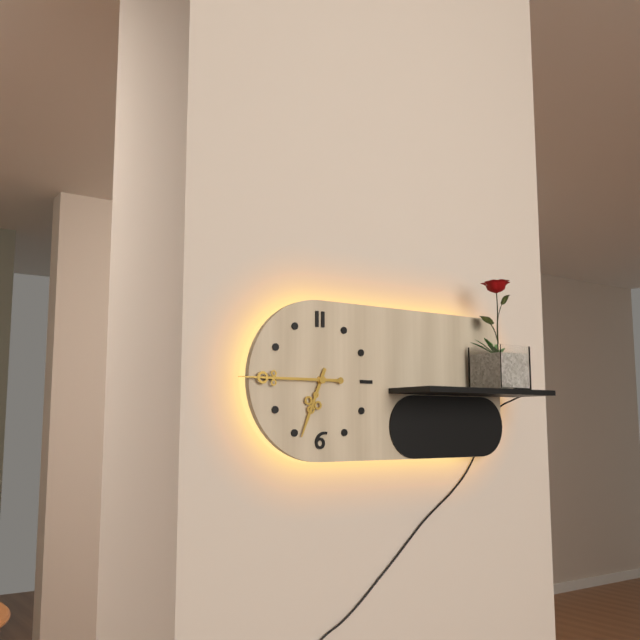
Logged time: 6,45
